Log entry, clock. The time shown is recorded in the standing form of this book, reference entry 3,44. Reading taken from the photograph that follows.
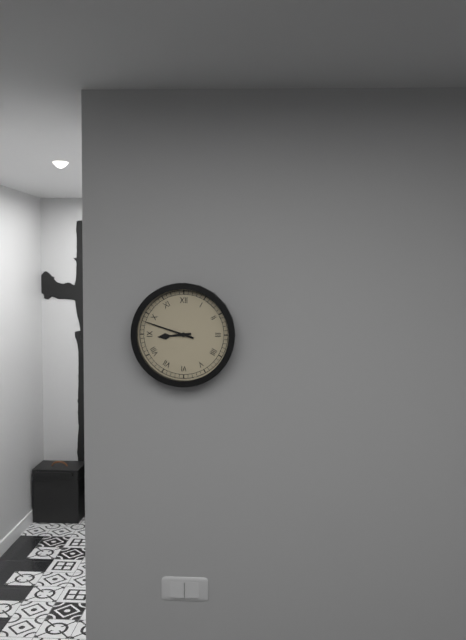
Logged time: 8,48
